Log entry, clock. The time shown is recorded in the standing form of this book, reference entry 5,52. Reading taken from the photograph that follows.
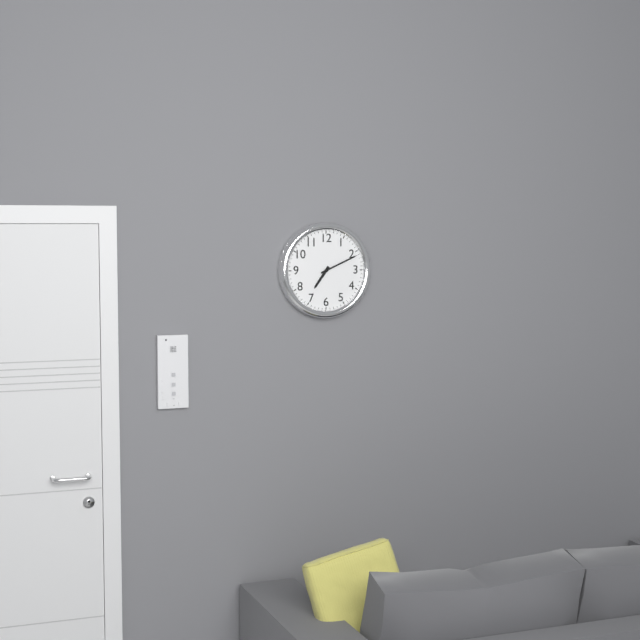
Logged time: 7,11
